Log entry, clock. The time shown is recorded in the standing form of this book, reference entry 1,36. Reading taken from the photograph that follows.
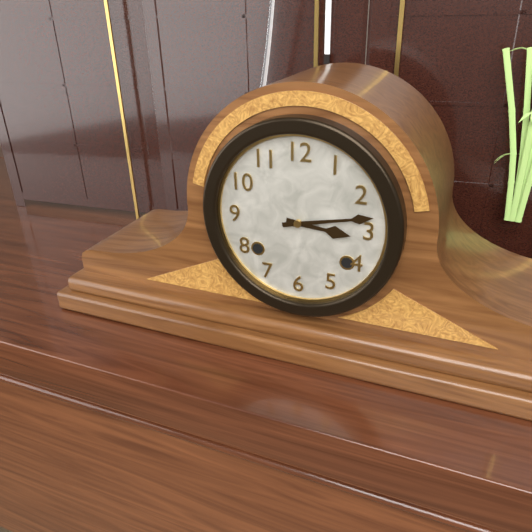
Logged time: 3,13
